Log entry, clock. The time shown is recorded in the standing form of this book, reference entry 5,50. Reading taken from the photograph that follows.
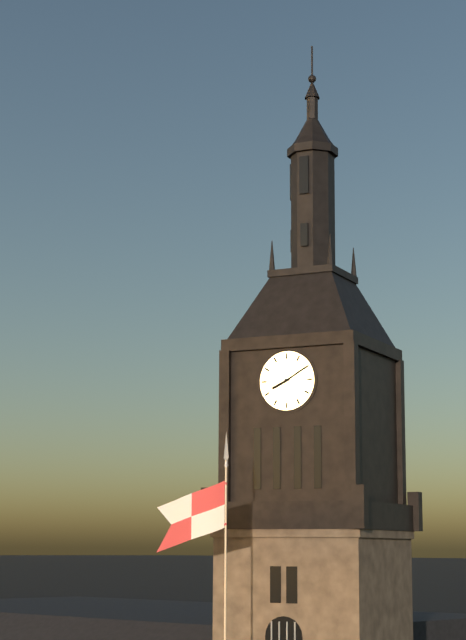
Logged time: 8,10
